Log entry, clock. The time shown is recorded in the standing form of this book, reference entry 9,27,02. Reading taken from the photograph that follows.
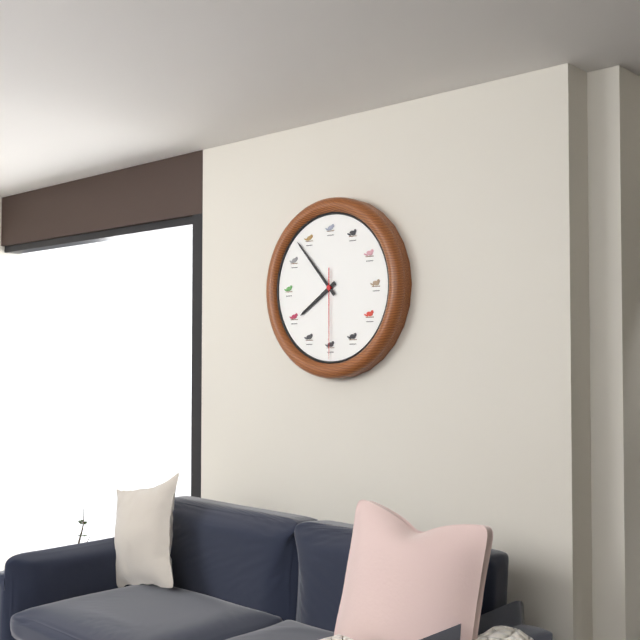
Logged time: 7,53,30
